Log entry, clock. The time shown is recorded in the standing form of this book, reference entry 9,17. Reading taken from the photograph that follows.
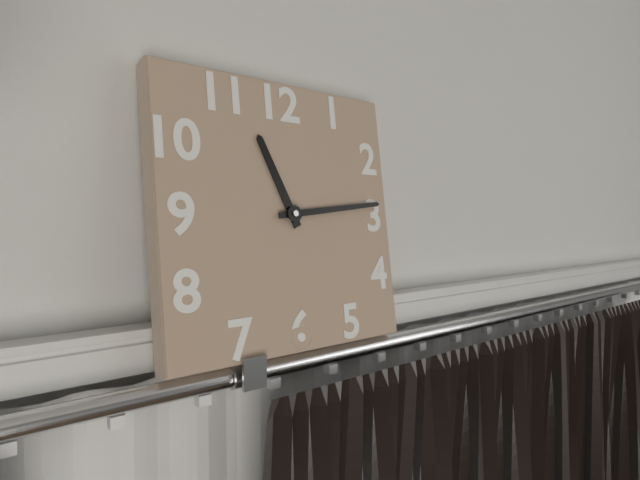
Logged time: 11,14
